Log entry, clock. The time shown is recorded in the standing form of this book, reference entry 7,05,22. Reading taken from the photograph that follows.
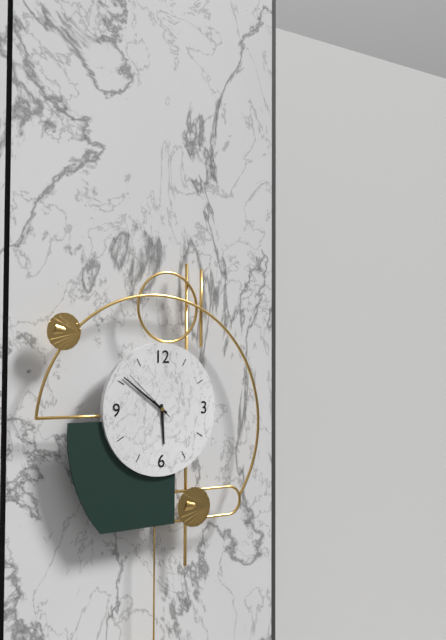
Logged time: 5,51,52
